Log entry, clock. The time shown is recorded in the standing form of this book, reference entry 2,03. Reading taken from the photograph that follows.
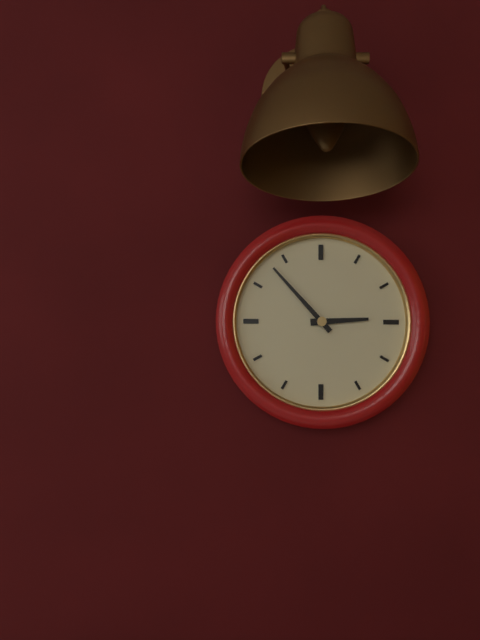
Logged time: 2,53
